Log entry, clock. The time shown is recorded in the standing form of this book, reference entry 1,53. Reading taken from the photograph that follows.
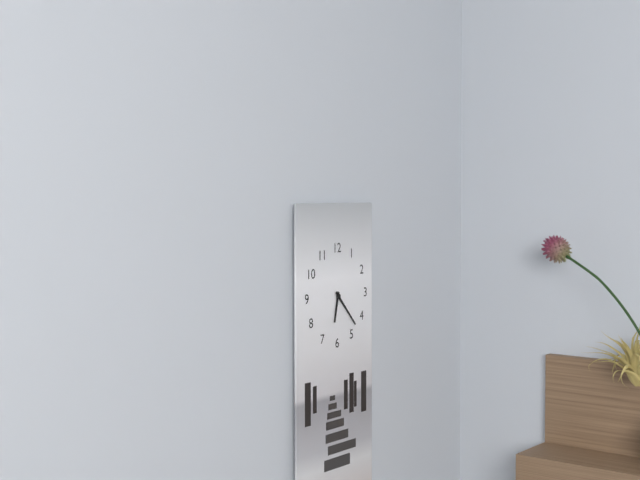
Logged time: 6,23
